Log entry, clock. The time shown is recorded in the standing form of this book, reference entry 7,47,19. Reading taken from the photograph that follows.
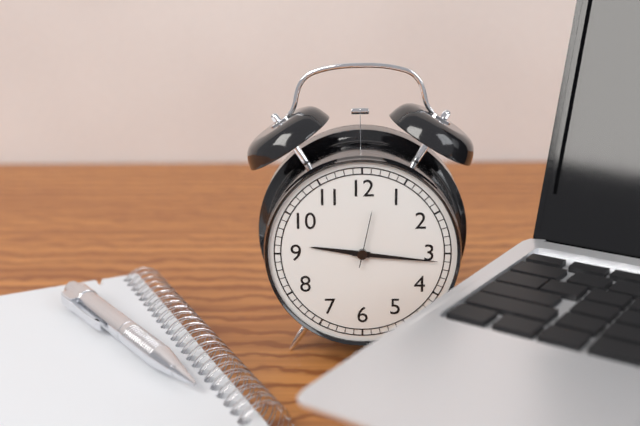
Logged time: 9,16,02
